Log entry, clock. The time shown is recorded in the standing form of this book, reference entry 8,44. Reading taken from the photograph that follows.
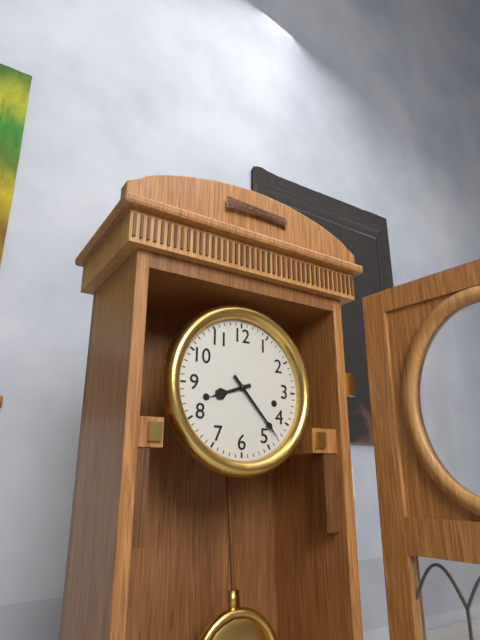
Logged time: 8,23
